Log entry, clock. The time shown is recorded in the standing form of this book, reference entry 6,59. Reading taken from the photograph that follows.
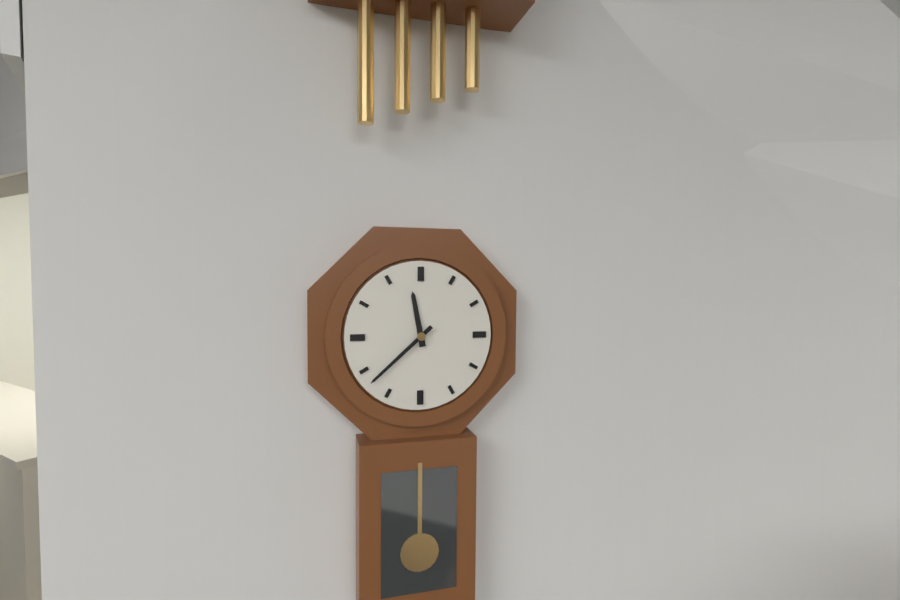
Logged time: 11,38
